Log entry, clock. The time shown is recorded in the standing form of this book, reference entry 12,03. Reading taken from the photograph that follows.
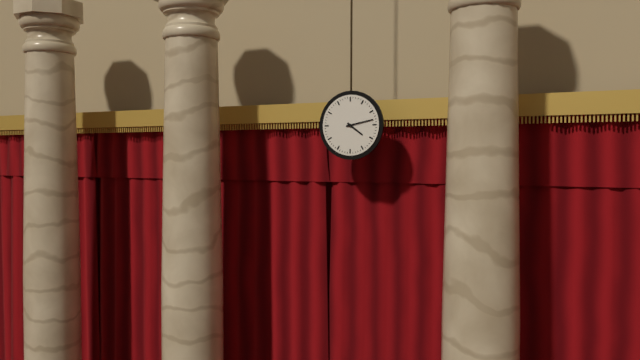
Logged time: 4,13
